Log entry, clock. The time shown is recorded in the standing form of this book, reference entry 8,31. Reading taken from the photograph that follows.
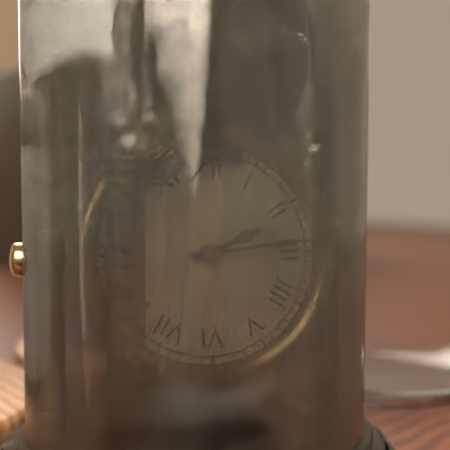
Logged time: 2,14
